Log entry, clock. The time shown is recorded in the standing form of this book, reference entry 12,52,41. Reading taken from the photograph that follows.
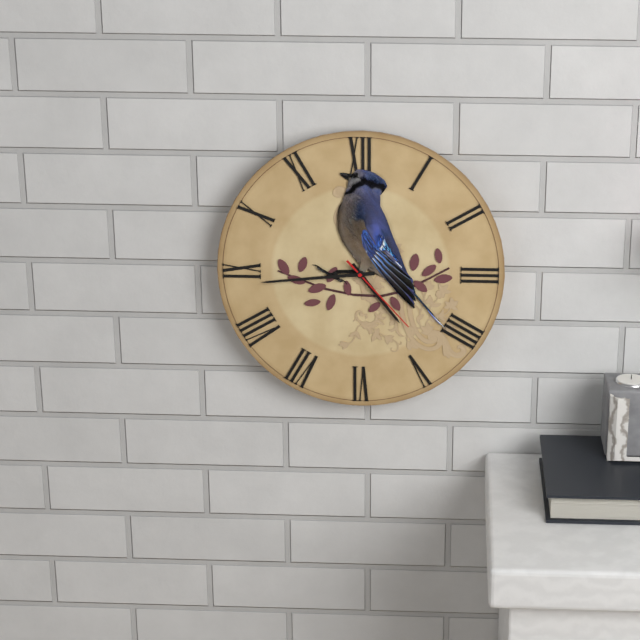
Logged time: 4,44,23
